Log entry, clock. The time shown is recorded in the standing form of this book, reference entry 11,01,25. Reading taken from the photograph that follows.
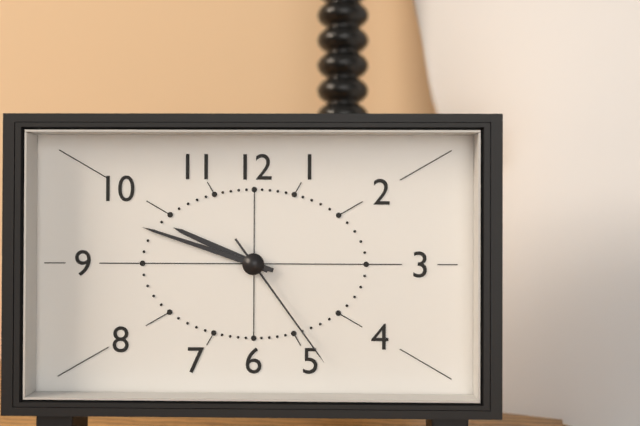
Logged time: 9,48,24
